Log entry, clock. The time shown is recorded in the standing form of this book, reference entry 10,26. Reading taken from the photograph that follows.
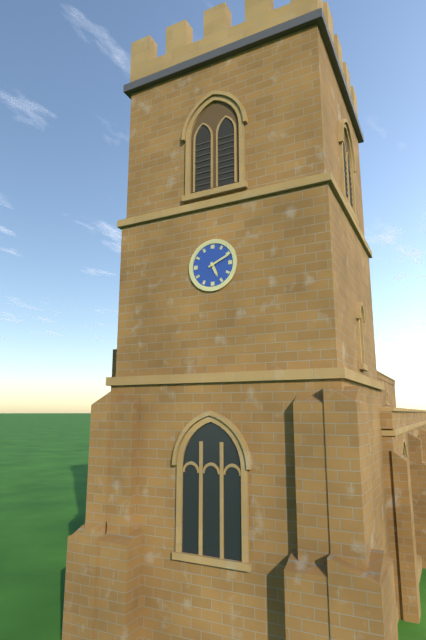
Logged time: 5,11
